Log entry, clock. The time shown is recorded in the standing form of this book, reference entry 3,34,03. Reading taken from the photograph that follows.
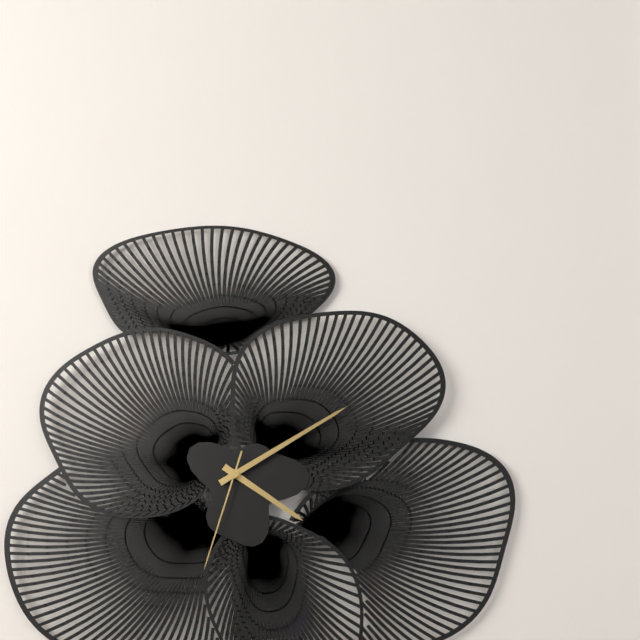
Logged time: 4,10,33
